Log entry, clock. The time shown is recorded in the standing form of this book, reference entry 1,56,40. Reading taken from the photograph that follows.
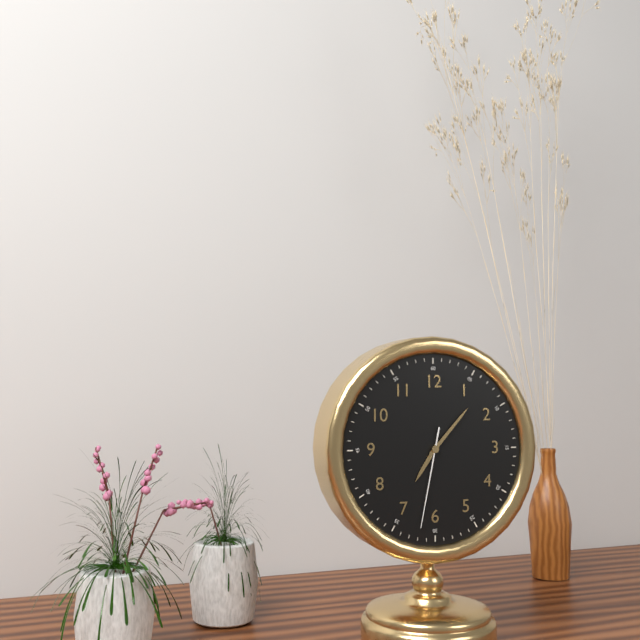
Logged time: 7,07,32
